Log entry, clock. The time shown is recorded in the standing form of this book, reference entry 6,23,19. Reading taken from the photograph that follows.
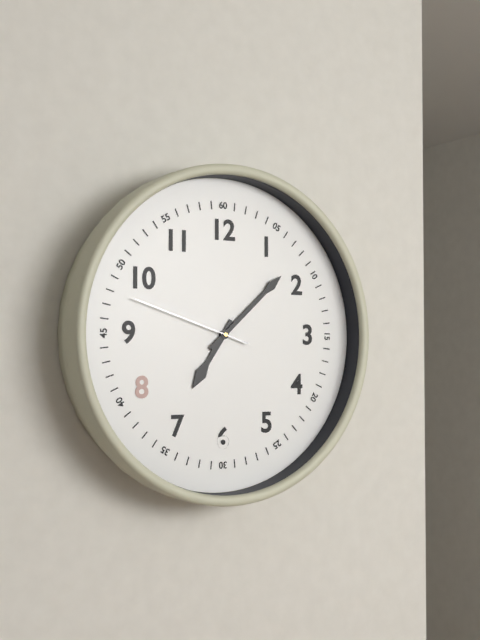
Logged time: 7,08,48
